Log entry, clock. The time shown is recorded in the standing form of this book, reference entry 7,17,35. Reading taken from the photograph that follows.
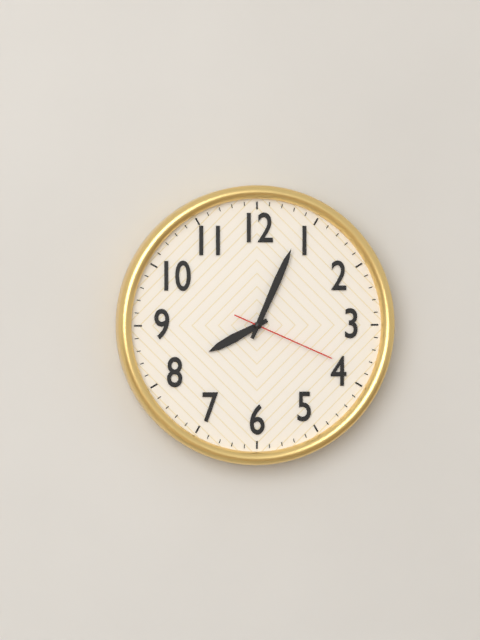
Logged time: 8,04,19
